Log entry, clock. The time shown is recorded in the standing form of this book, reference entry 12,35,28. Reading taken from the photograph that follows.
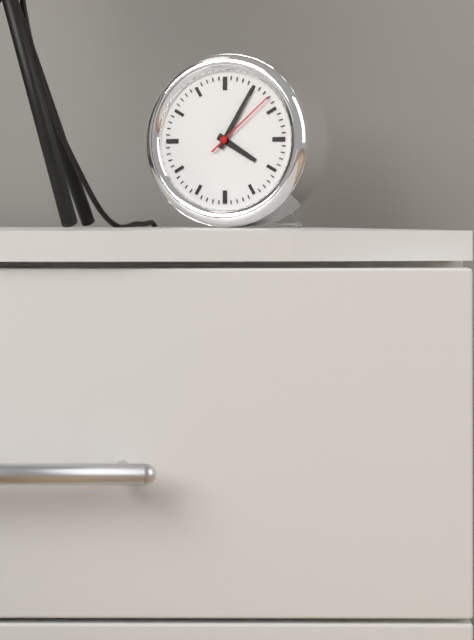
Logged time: 4,05,08
